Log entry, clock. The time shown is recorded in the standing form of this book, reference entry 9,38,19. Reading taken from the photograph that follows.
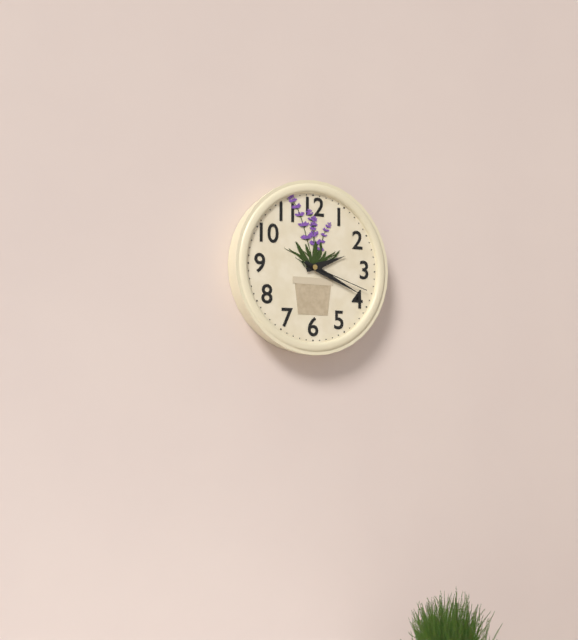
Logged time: 2,19,18
